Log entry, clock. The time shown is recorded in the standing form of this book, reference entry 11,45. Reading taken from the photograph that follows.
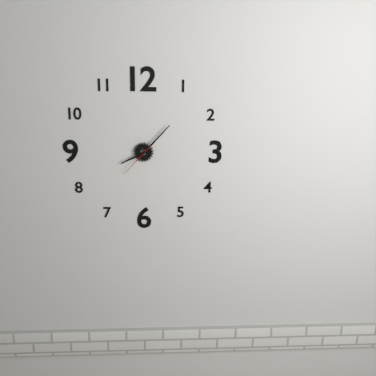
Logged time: 8,07
